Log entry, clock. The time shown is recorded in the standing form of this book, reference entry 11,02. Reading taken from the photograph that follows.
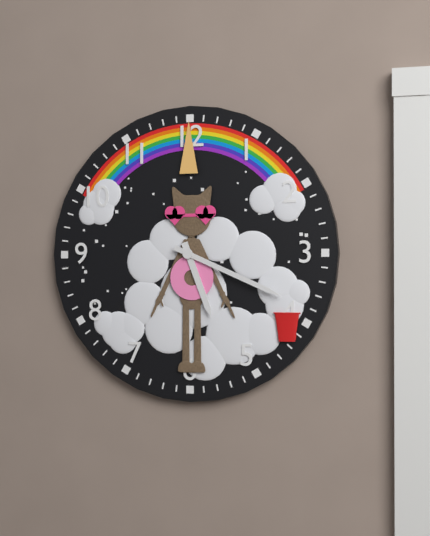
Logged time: 5,19
